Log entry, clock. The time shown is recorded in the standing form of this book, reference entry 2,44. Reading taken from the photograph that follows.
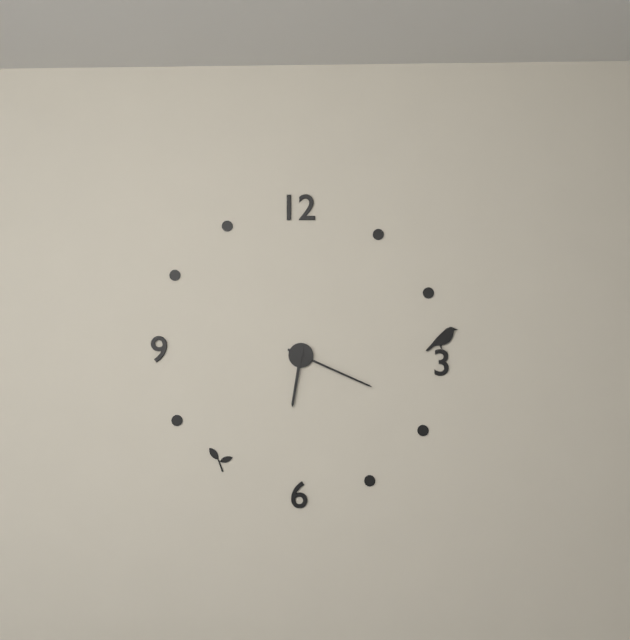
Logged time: 6,19
